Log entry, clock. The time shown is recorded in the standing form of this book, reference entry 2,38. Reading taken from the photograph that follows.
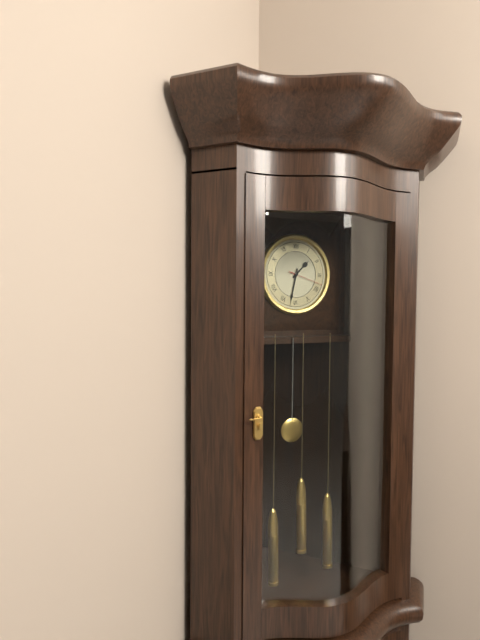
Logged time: 1,32
